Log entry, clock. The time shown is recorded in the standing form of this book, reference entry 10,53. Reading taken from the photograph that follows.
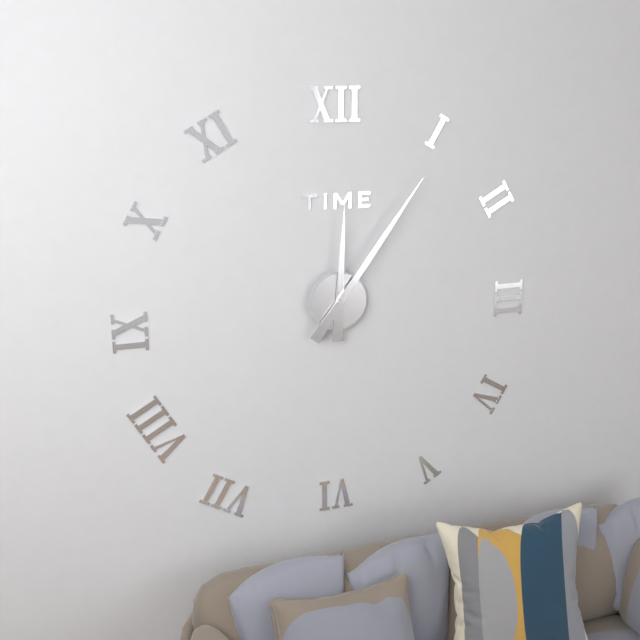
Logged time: 12,06
